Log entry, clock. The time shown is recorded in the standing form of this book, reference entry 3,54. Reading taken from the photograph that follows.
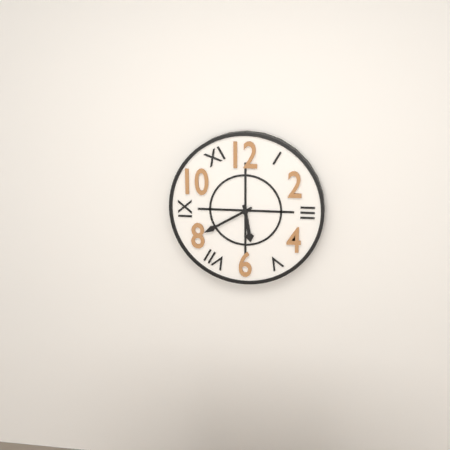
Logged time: 5,40
